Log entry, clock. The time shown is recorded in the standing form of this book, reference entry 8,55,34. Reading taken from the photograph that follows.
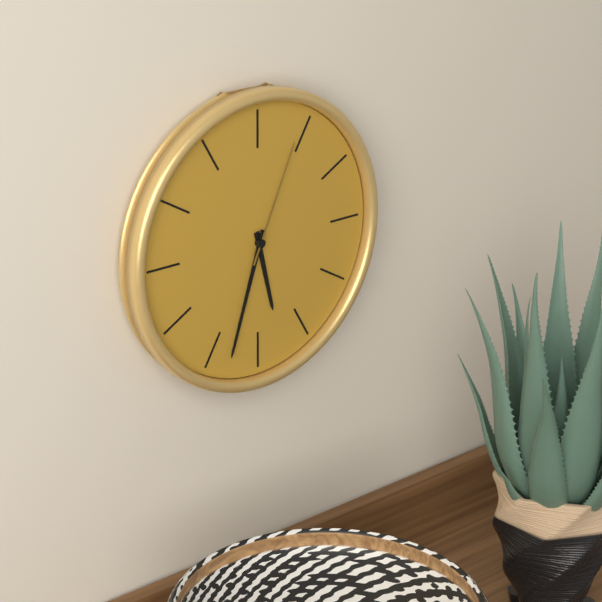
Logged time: 5,33,04
